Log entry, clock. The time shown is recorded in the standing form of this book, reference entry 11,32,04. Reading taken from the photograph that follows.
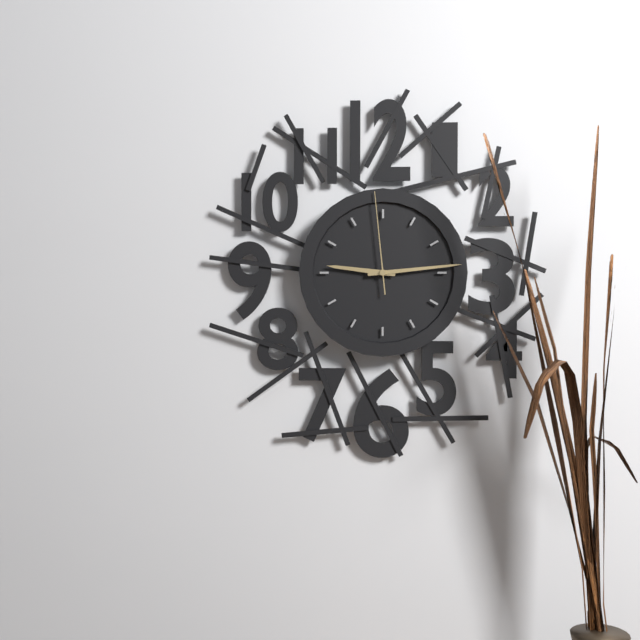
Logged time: 9,14,59
